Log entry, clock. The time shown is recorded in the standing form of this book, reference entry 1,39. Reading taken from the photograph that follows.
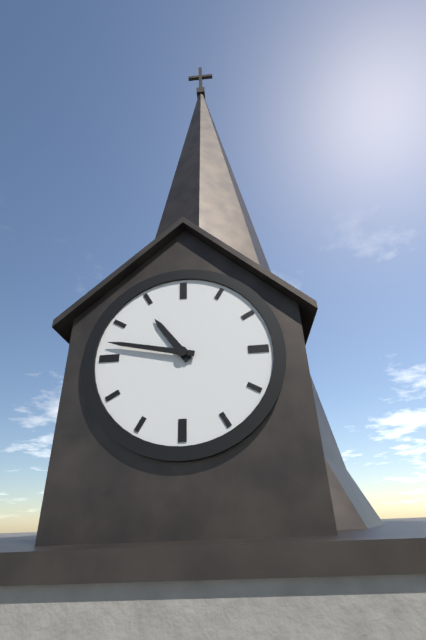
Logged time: 10,47
